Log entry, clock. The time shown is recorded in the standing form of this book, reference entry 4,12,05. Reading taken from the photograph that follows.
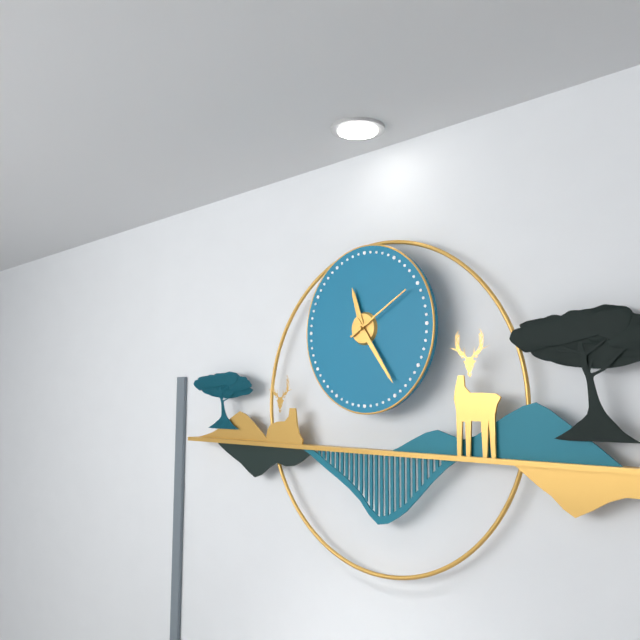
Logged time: 11,24,10
